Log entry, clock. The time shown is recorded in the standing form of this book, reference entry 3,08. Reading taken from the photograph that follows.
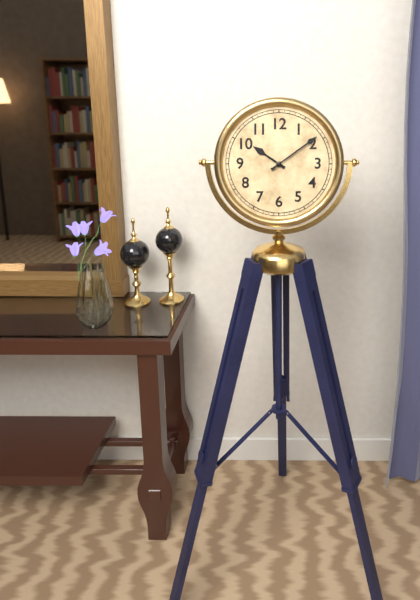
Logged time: 10,09
